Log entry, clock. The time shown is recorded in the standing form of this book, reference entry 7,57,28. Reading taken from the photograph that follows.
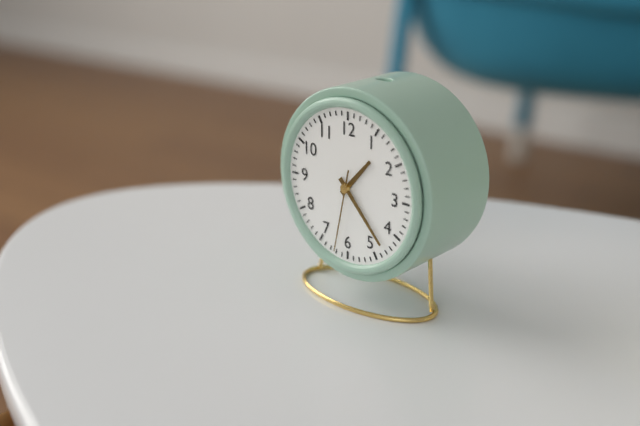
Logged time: 1,23,32
